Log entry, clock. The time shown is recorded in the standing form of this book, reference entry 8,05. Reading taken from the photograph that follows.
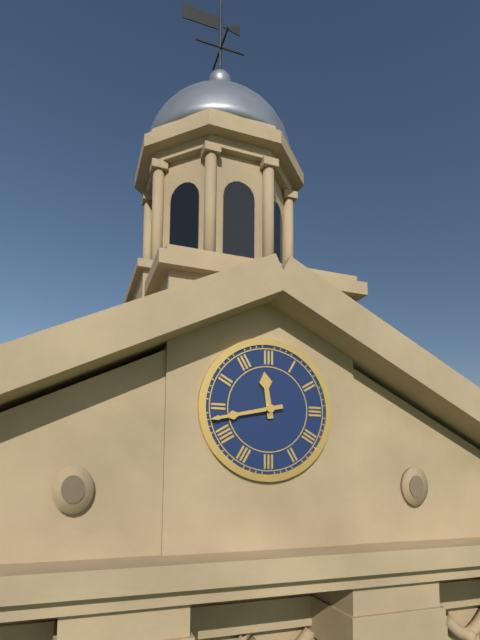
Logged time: 11,43
